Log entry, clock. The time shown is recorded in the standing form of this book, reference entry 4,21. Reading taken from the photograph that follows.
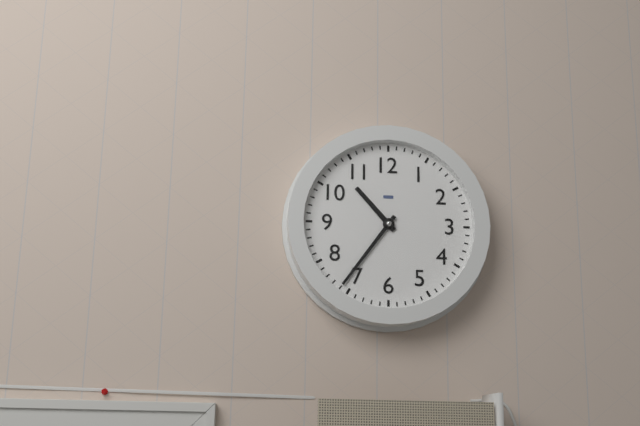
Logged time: 10,36
